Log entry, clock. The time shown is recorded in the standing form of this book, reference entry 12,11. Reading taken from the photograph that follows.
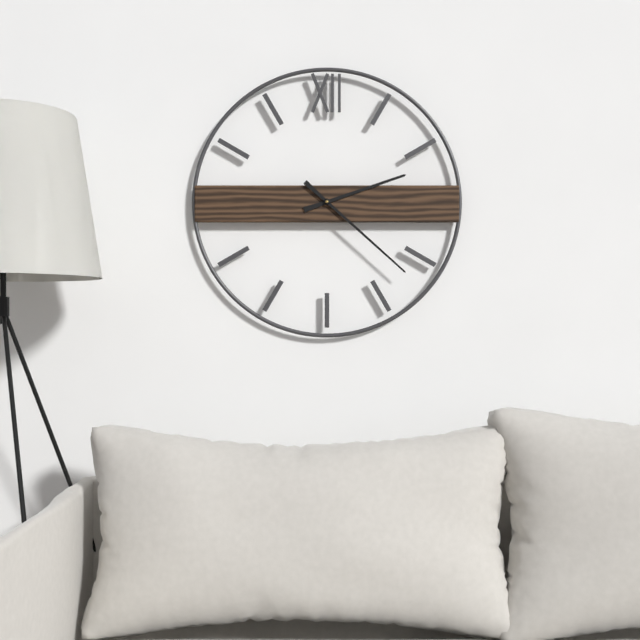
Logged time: 2,22
